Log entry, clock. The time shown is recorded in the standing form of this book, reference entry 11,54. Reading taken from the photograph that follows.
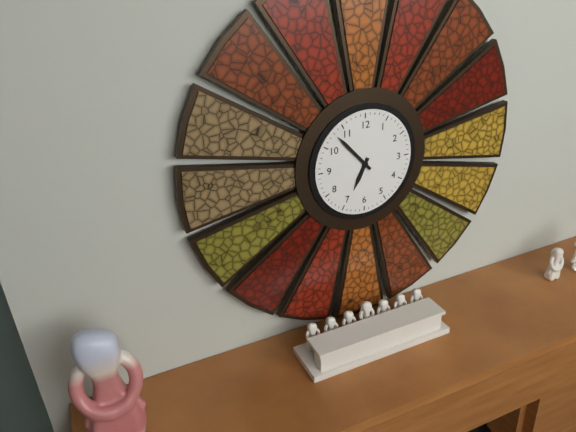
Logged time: 6,53
